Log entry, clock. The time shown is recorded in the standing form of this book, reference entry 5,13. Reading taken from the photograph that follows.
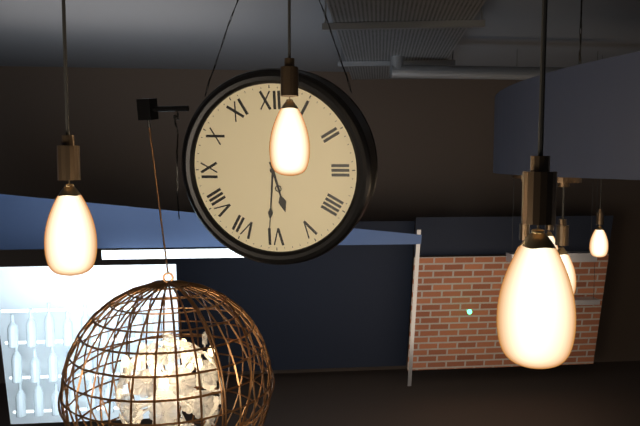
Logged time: 5,31
